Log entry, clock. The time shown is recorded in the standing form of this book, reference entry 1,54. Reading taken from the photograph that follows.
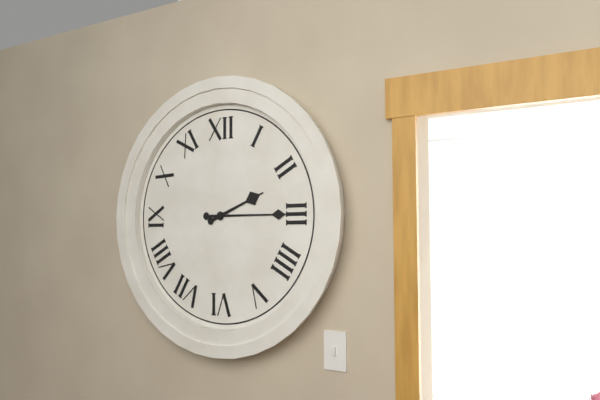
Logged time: 2,15
